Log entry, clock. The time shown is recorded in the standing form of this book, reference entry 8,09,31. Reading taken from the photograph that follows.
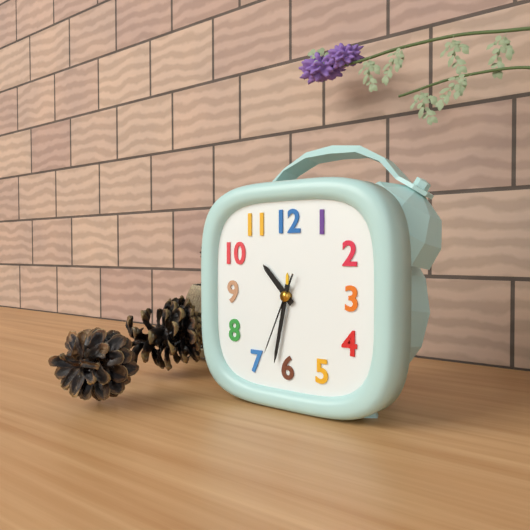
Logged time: 10,32,34
